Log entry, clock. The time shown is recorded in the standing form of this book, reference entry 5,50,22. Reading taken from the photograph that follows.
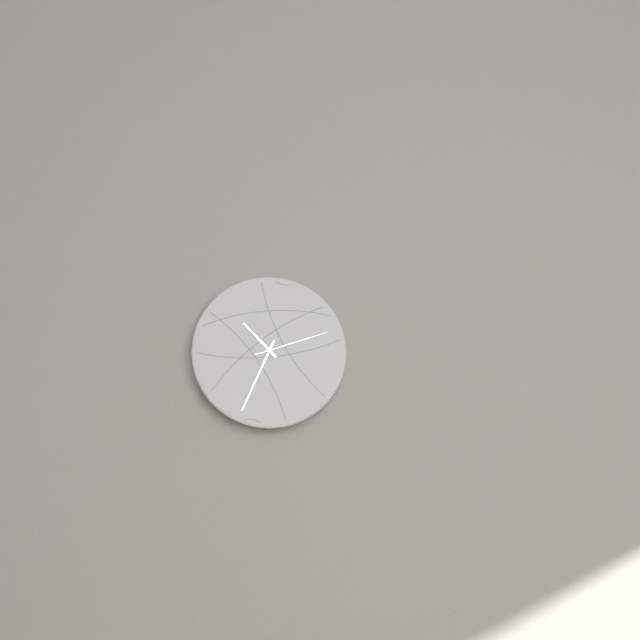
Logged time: 10,34,12
